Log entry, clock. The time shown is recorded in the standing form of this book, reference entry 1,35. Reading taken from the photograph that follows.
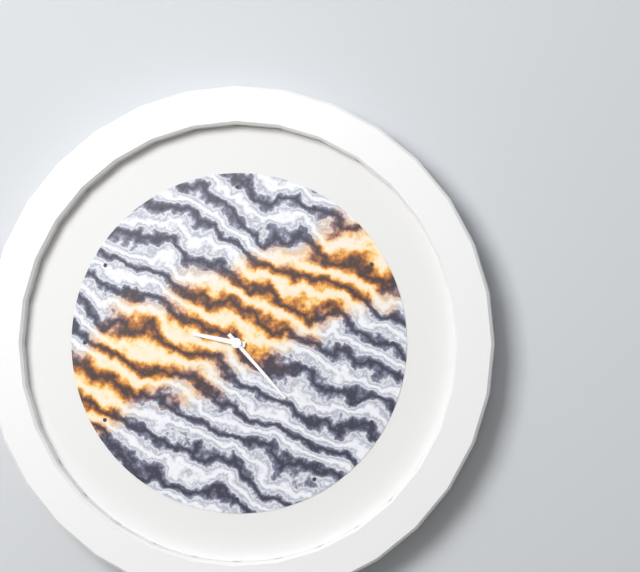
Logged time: 9,23
